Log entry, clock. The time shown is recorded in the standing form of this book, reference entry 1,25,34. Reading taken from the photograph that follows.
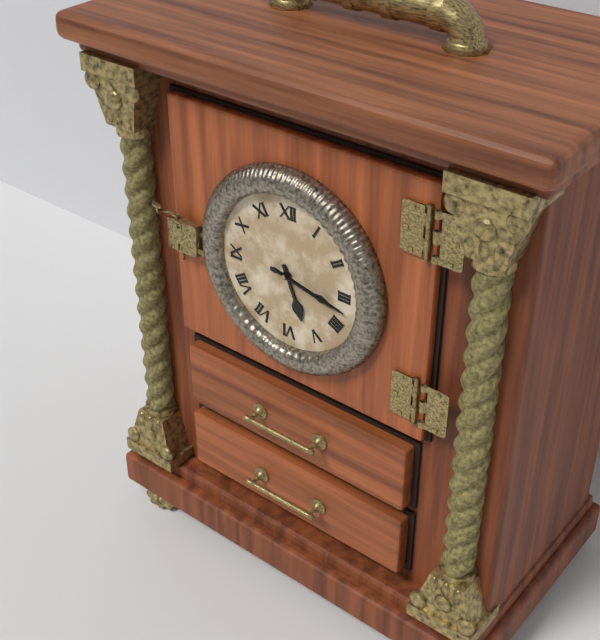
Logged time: 5,17,17
